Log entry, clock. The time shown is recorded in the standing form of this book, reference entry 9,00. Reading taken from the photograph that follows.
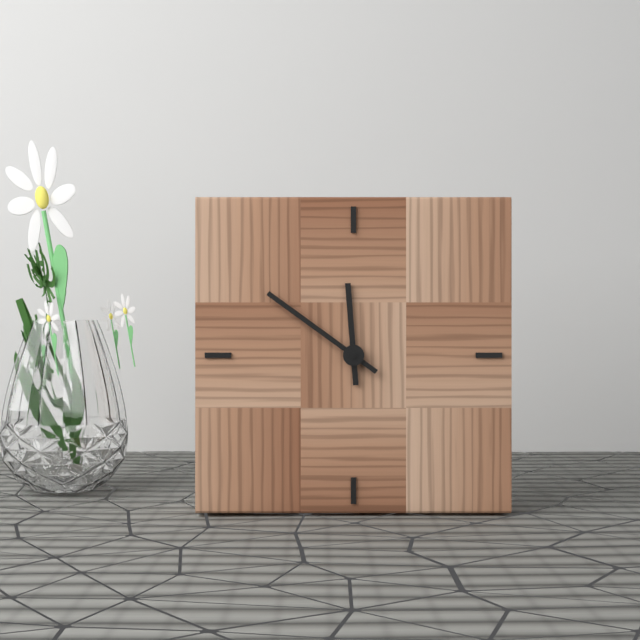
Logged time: 11,51
